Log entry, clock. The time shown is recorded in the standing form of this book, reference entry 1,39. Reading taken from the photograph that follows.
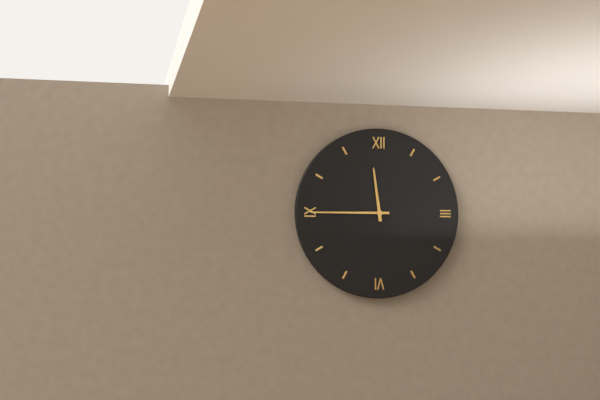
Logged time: 11,45
